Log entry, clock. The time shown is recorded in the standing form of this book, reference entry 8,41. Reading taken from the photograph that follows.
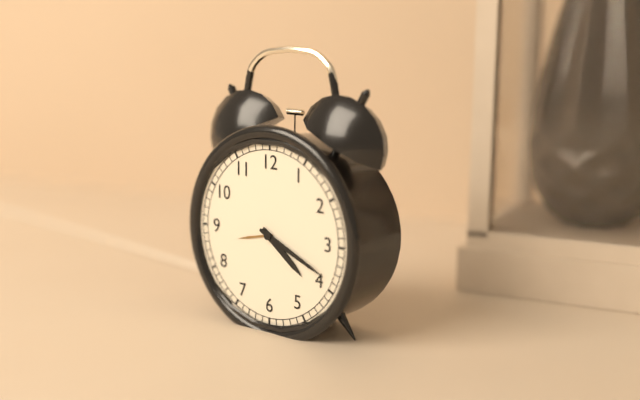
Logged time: 4,19
